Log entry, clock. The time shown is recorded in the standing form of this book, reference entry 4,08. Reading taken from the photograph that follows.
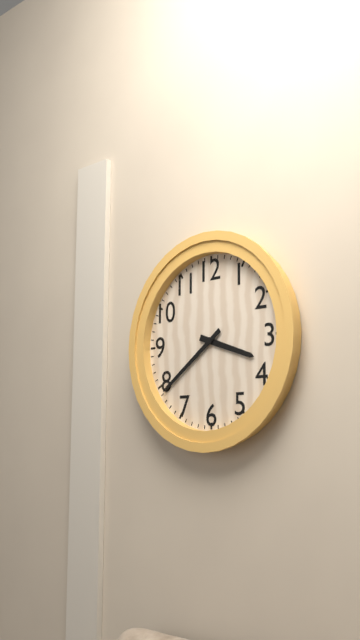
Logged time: 3,39
